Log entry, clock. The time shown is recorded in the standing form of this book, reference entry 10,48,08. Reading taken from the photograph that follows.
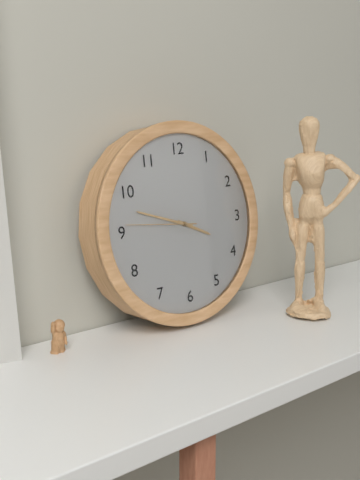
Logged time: 3,48,46
